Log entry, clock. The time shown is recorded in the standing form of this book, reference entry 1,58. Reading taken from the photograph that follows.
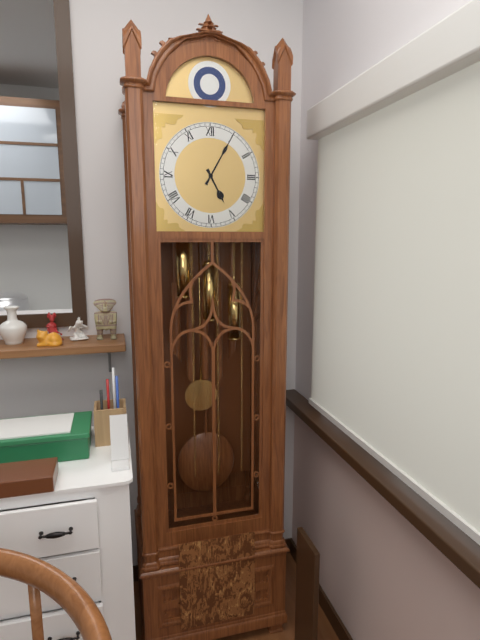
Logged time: 5,05
